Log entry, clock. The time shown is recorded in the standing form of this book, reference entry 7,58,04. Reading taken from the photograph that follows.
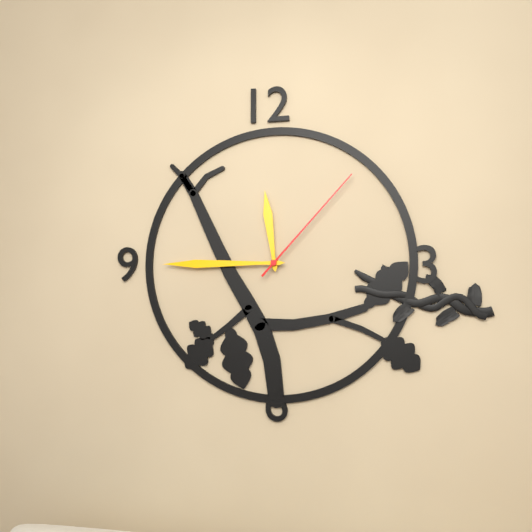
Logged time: 11,45,07
